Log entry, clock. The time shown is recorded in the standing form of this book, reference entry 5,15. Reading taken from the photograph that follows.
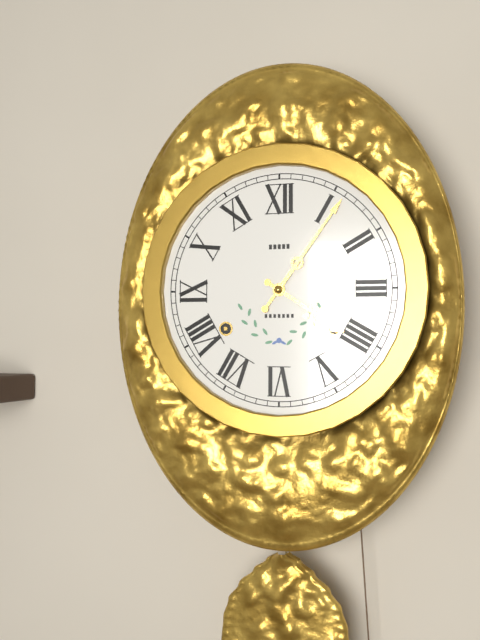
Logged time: 4,06
